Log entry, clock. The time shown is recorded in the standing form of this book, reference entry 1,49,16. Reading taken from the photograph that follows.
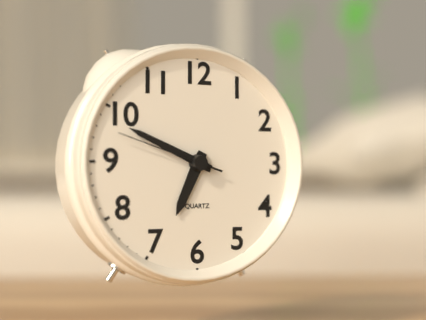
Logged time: 6,49,48
